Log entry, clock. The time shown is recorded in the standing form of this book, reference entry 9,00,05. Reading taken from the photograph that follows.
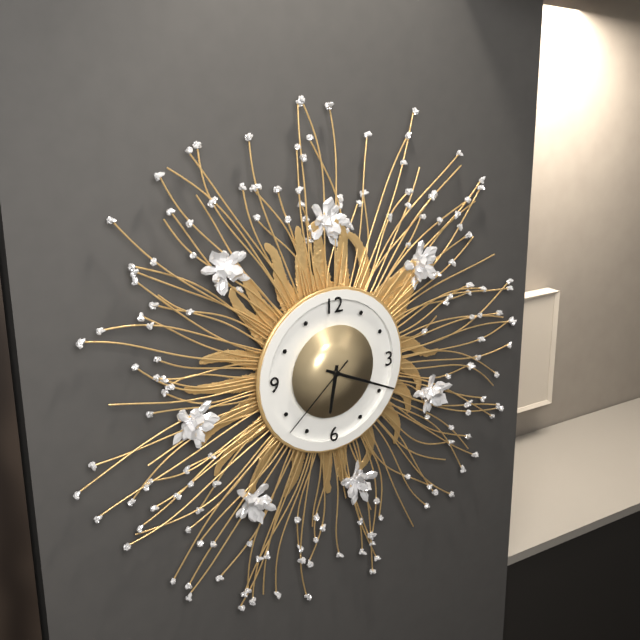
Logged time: 6,19,38
